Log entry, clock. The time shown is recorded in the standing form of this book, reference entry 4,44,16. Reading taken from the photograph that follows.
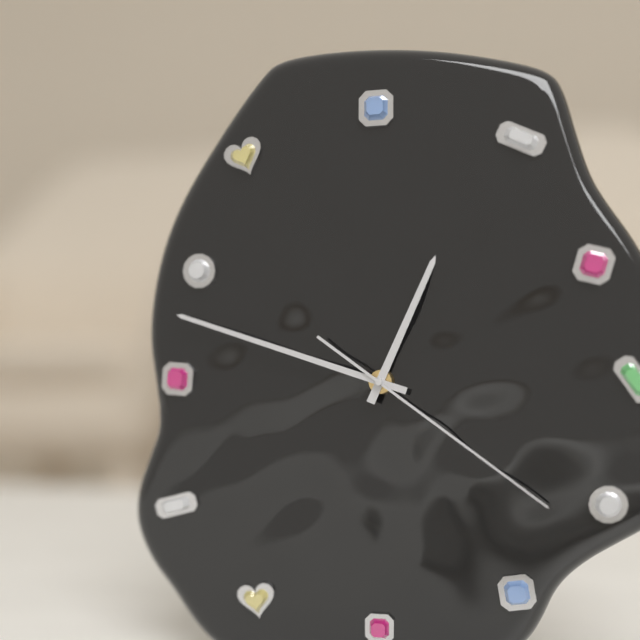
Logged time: 12,48,21
